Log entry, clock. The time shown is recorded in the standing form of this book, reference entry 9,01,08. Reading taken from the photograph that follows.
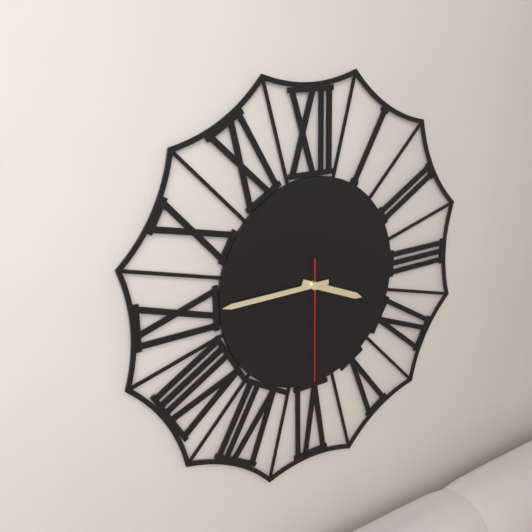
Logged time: 3,45,30
